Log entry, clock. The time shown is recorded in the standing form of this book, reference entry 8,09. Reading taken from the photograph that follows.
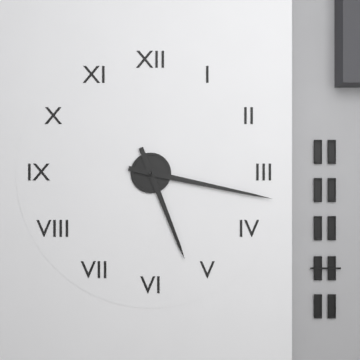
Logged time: 5,17
